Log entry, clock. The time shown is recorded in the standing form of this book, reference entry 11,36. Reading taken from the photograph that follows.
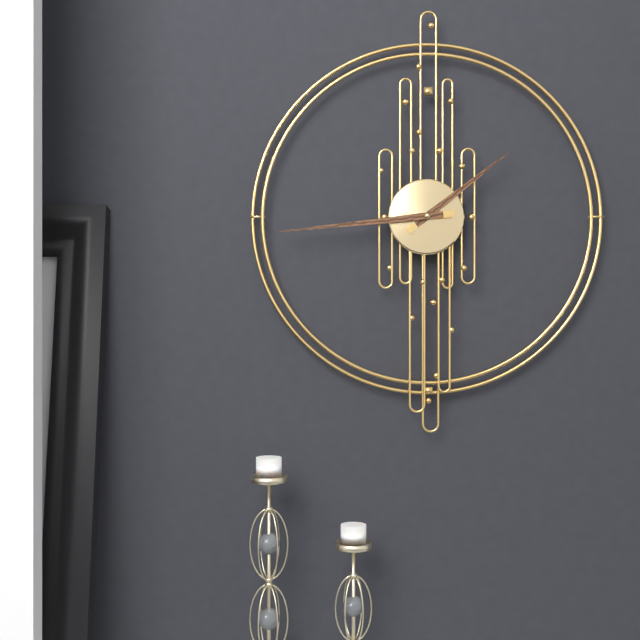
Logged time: 1,44
